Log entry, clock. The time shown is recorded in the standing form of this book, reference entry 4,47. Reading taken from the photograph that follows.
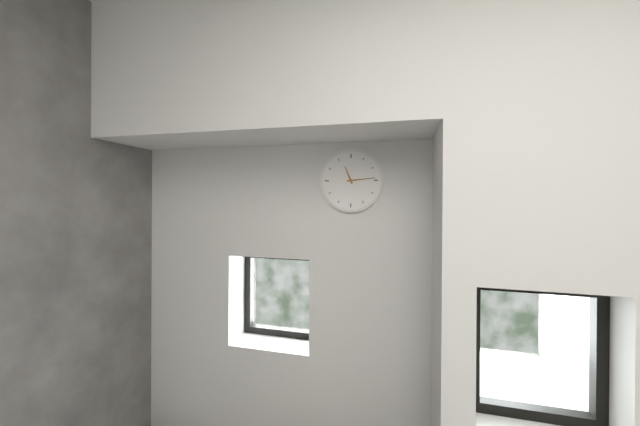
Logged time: 11,14
